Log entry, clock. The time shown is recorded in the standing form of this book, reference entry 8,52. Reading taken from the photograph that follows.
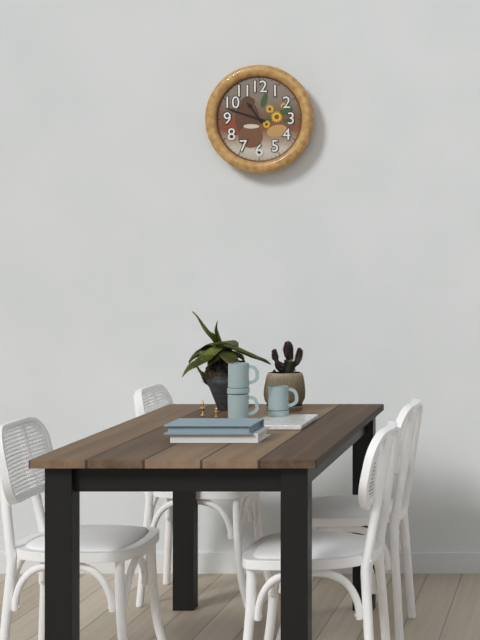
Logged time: 10,48
